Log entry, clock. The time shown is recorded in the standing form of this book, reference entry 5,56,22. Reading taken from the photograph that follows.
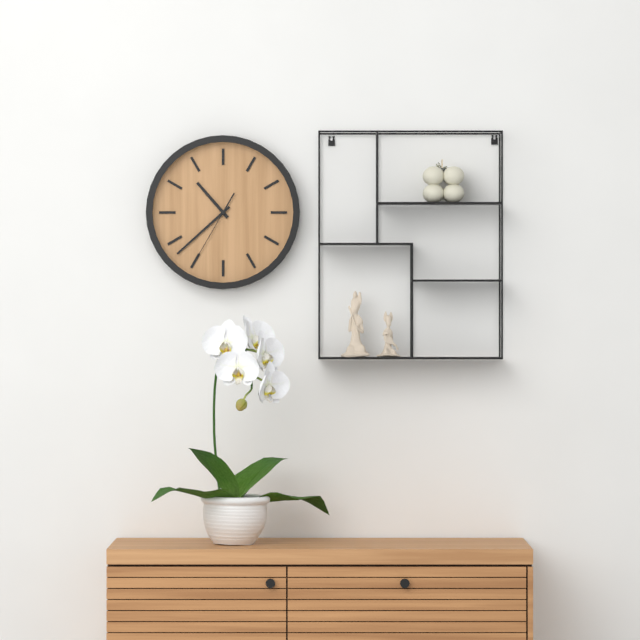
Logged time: 10,38,35
